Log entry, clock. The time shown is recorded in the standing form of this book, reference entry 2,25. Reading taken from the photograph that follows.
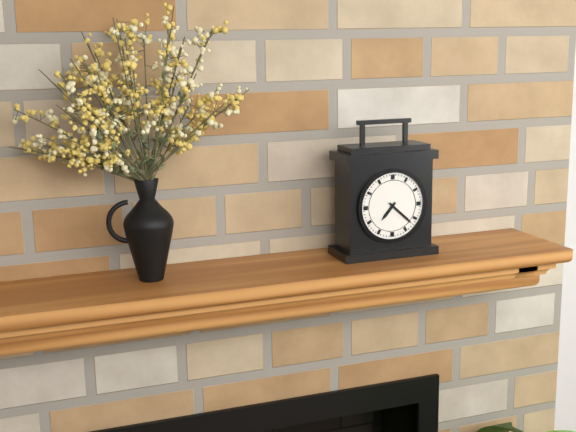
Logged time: 7,22
